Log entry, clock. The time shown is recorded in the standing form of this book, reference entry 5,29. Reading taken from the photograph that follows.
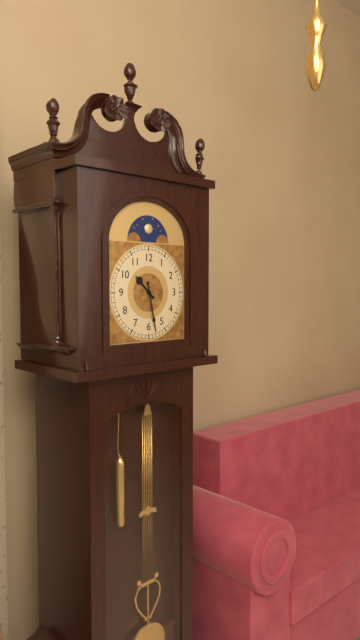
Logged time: 10,28
